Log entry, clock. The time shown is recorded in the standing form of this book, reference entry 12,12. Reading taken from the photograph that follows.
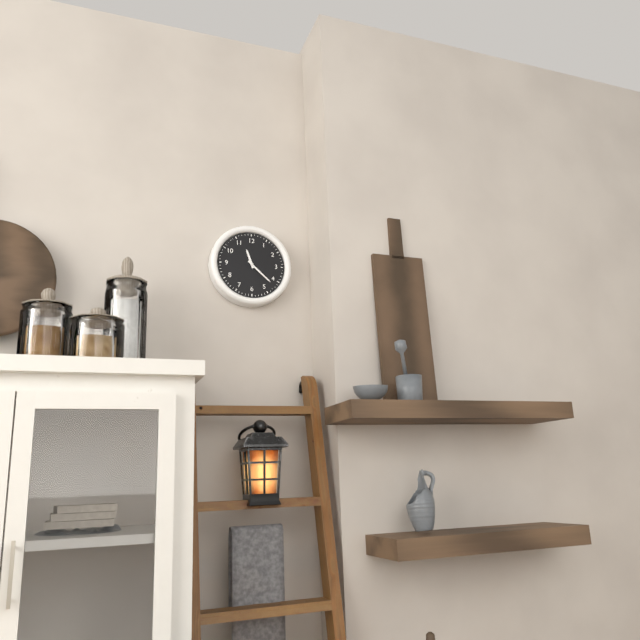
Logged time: 11,22
